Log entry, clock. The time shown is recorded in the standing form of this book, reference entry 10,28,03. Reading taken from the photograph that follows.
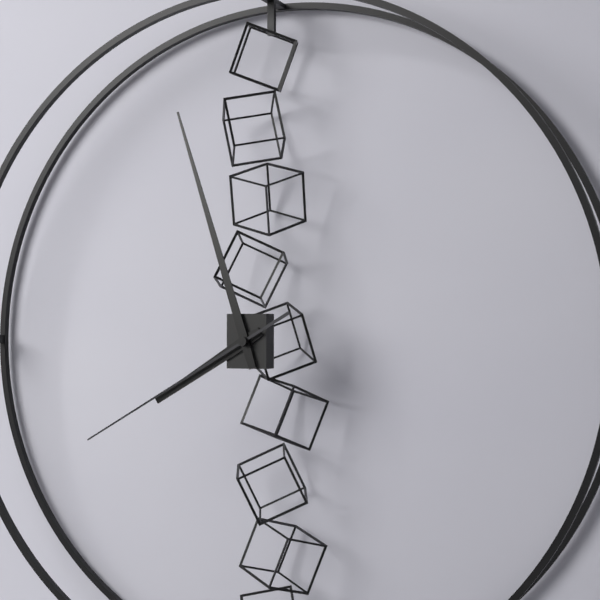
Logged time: 7,57,40
